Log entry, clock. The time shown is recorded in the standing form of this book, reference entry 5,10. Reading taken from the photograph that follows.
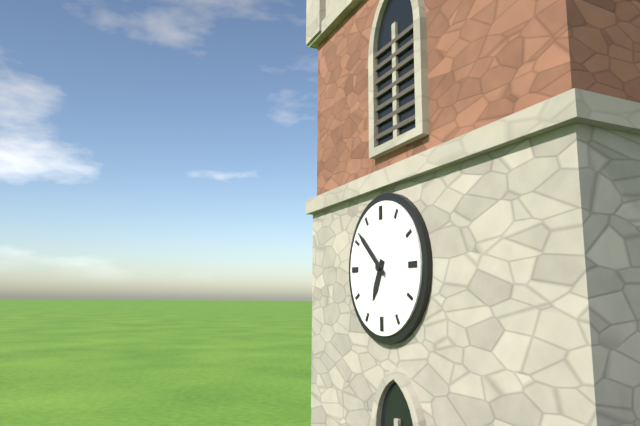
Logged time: 6,52
